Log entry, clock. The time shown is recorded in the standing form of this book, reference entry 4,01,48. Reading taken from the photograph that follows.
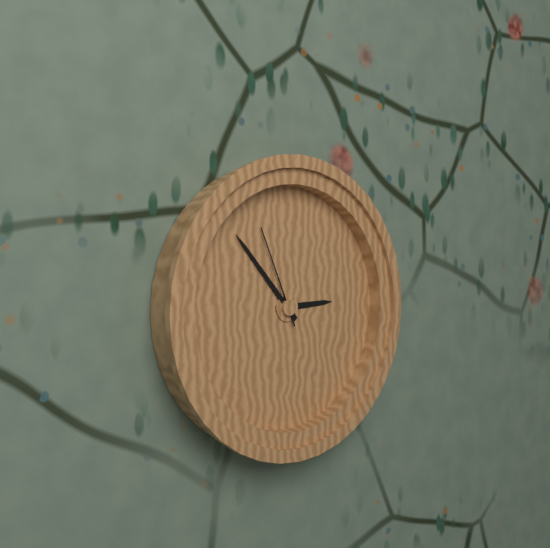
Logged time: 2,53,56
